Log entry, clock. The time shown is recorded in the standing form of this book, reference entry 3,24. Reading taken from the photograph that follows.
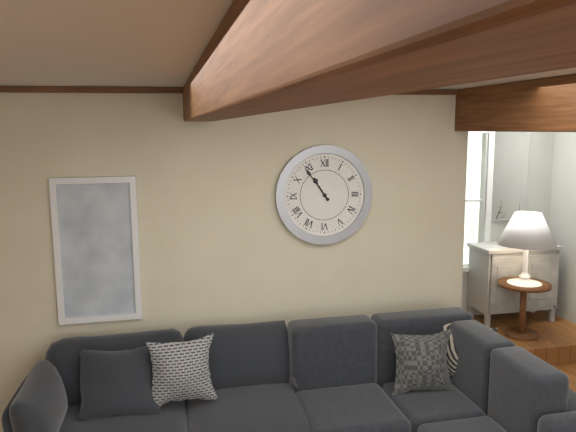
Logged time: 10,54
